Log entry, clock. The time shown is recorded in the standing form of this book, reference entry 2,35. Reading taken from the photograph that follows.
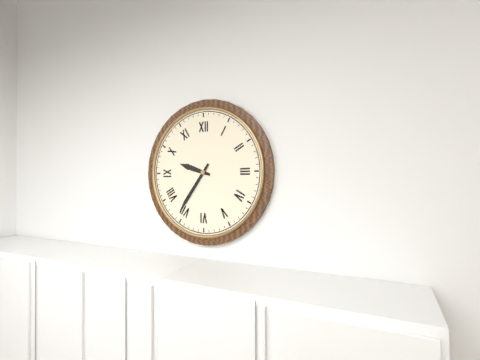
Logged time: 9,36
